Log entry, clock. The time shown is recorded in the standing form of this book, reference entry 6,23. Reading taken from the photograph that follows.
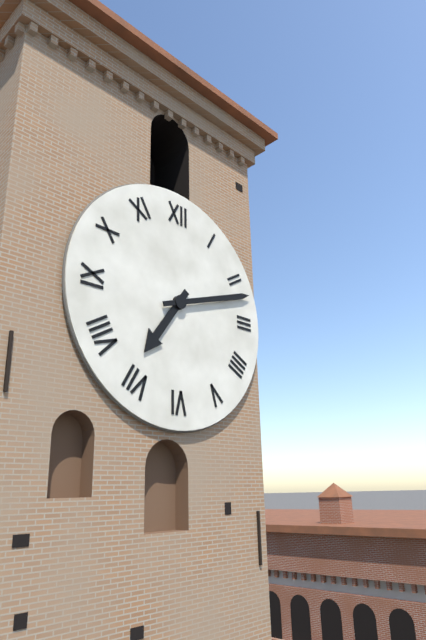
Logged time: 7,12
